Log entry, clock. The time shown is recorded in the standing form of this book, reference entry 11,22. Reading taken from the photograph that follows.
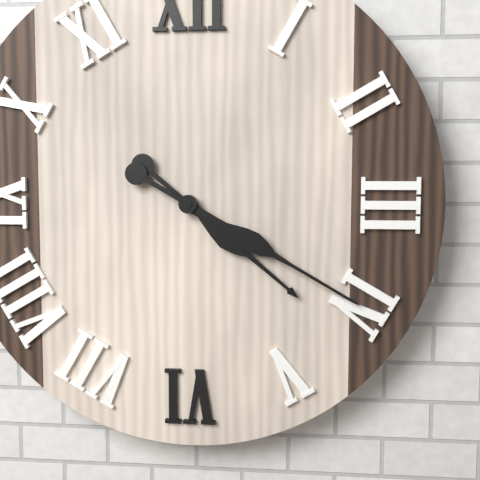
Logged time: 4,20
